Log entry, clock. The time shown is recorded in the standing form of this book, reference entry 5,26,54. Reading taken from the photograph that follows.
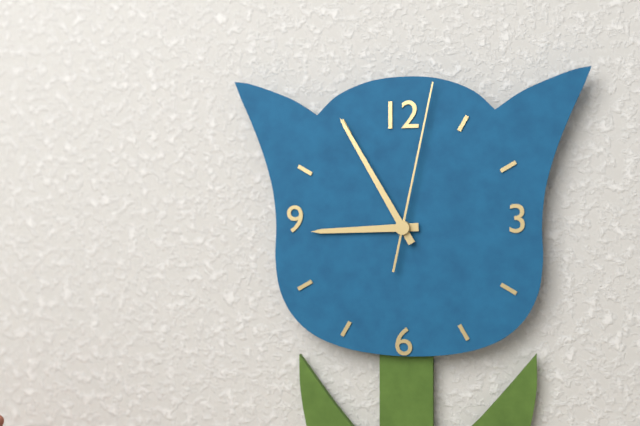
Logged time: 8,55,02
